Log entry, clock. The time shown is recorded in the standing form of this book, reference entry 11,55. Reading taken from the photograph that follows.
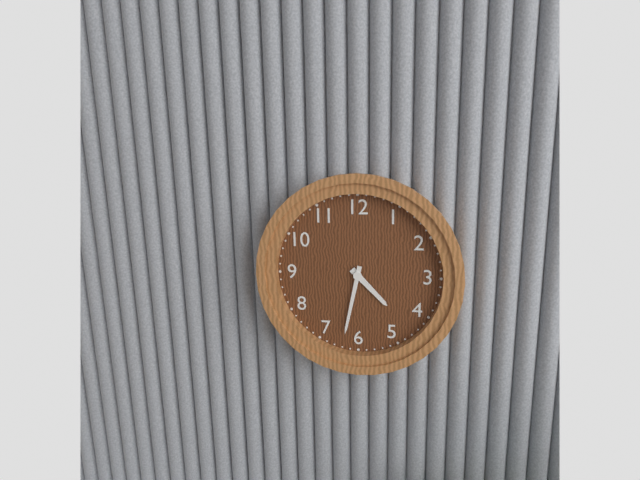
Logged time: 4,32
